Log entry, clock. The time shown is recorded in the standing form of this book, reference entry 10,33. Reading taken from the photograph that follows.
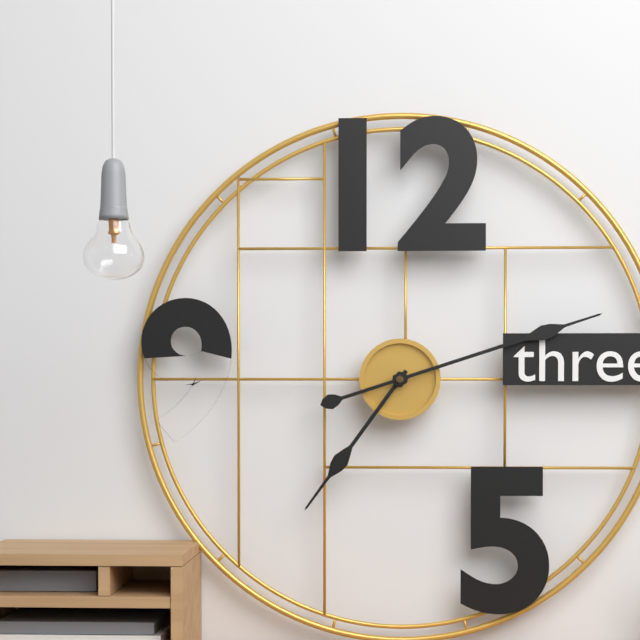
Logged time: 7,12
